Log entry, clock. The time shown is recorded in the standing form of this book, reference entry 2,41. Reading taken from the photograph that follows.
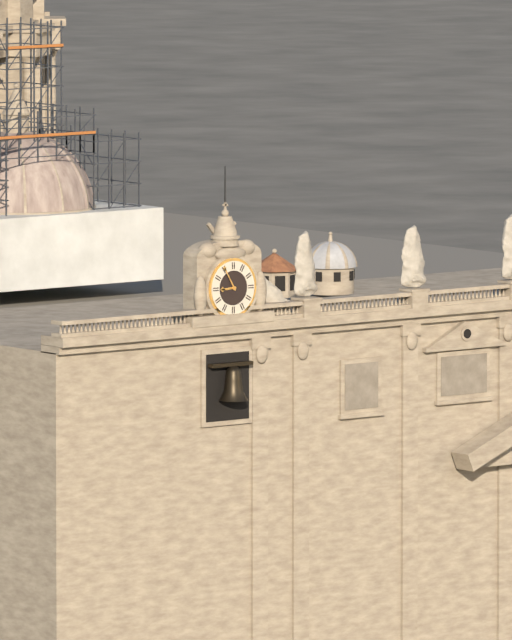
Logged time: 8,55
